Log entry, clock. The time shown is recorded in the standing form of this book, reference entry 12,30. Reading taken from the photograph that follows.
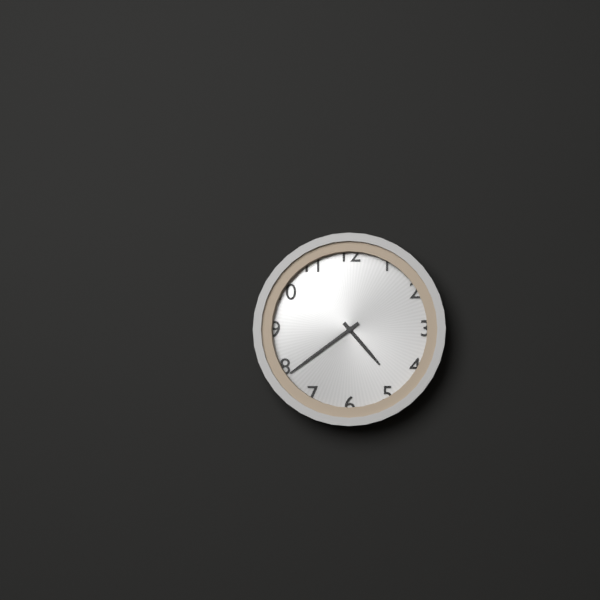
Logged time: 4,39
